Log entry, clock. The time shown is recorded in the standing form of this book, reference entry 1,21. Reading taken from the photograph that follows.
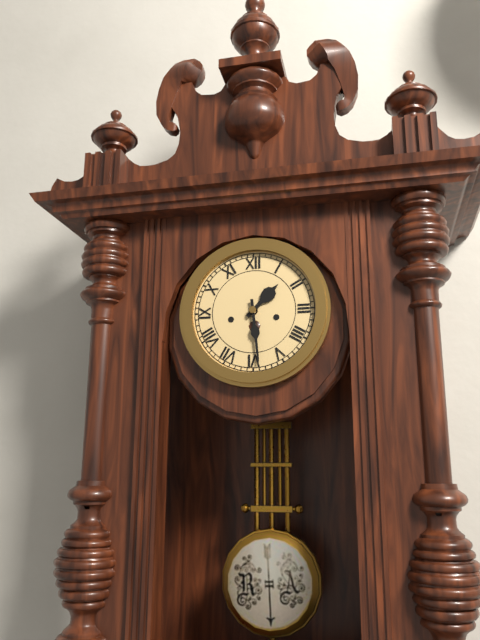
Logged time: 1,29
